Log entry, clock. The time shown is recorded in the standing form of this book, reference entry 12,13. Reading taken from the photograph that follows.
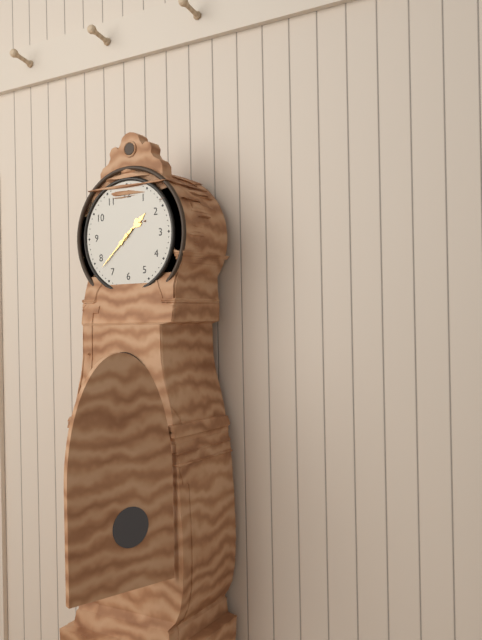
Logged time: 1,38
